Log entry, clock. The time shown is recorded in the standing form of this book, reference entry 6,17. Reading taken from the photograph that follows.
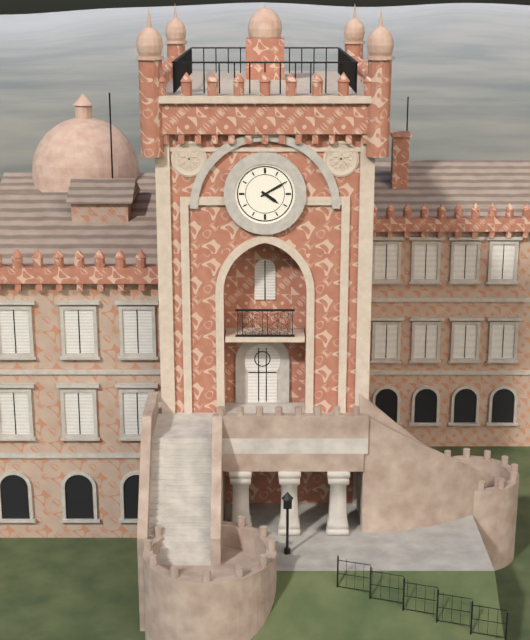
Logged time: 4,10
